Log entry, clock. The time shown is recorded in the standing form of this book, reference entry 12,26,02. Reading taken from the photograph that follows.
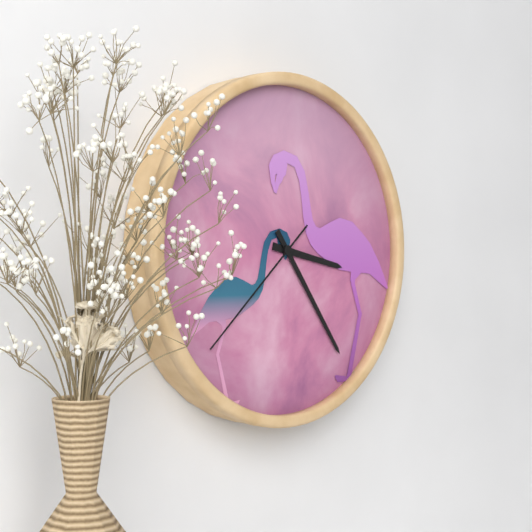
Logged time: 3,24,38
